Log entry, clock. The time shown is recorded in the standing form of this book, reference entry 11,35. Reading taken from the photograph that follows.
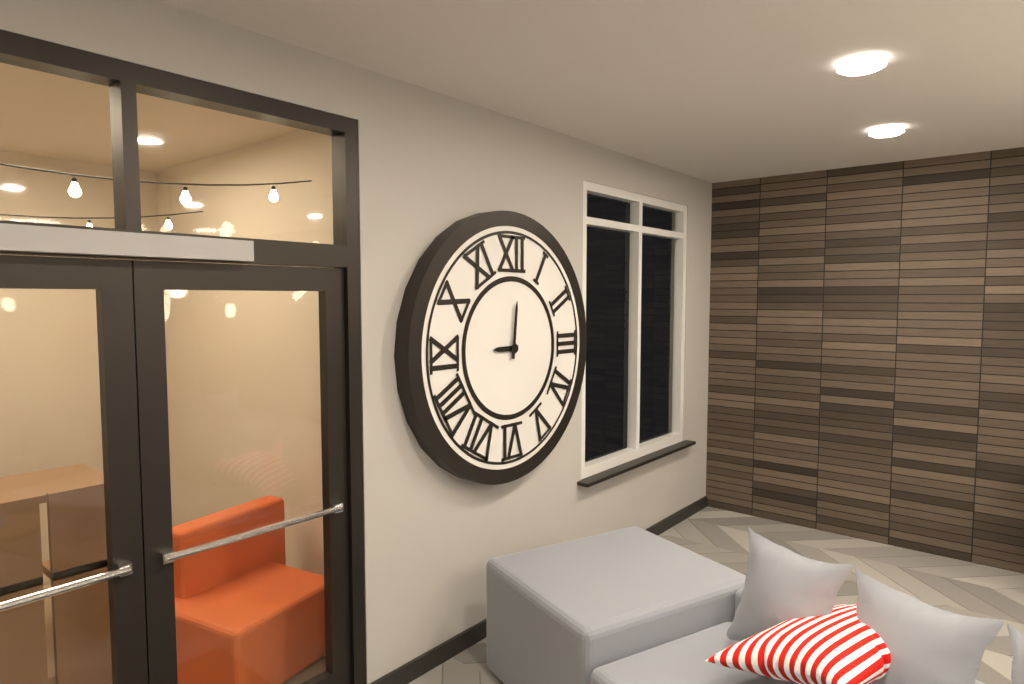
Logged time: 9,01
